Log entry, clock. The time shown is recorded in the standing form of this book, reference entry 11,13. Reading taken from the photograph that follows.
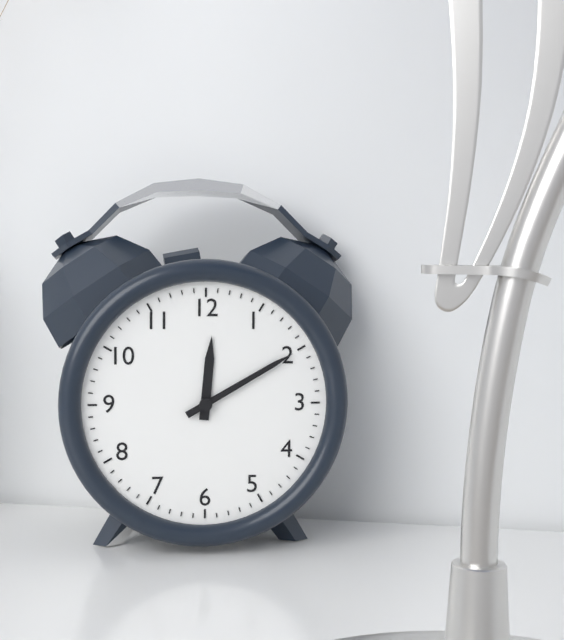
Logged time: 12,10
